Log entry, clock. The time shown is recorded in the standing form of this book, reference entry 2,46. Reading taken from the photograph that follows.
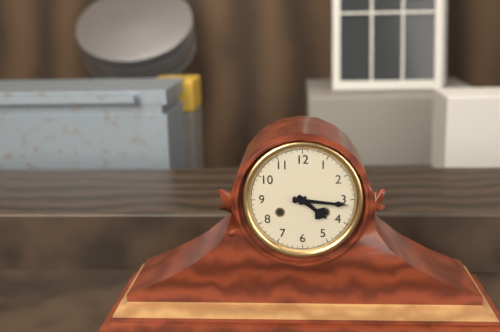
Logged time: 4,16
